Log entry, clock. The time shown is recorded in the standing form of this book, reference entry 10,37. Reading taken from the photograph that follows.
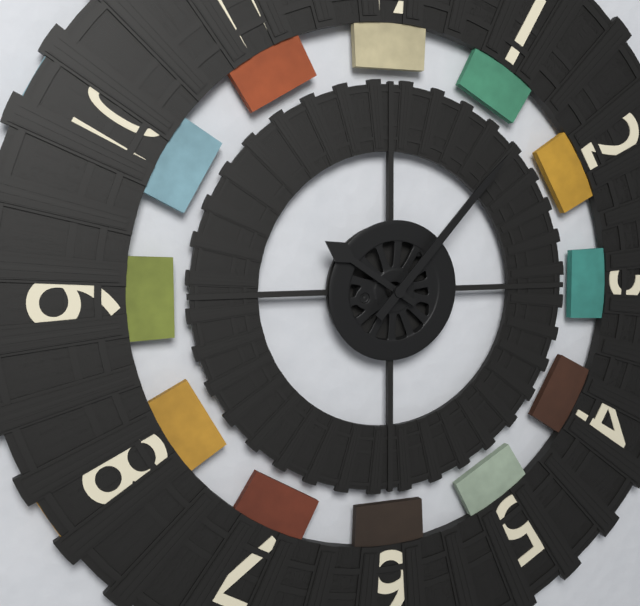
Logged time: 10,07
